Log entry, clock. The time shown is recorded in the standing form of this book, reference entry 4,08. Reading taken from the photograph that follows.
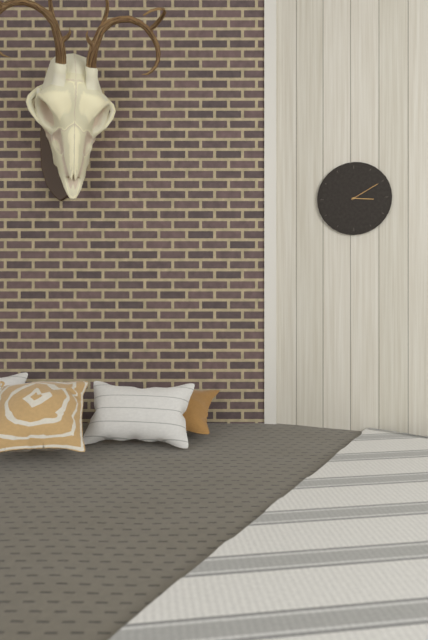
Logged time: 3,10
